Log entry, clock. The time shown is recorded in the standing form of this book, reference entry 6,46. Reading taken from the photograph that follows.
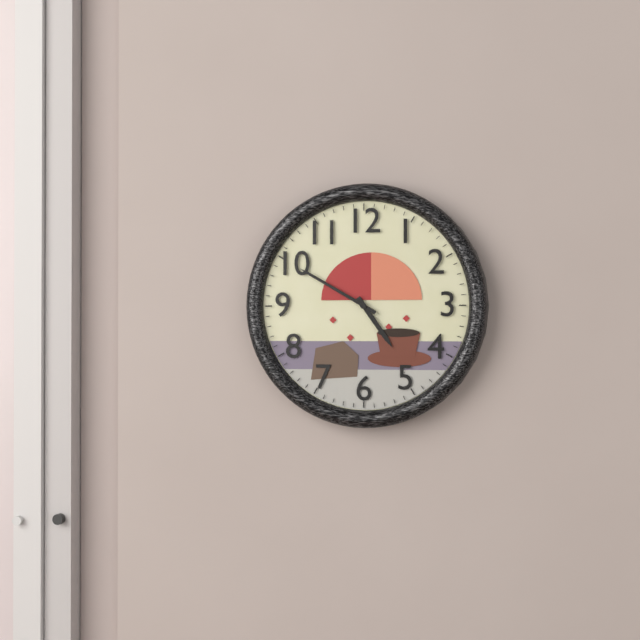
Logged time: 4,50
